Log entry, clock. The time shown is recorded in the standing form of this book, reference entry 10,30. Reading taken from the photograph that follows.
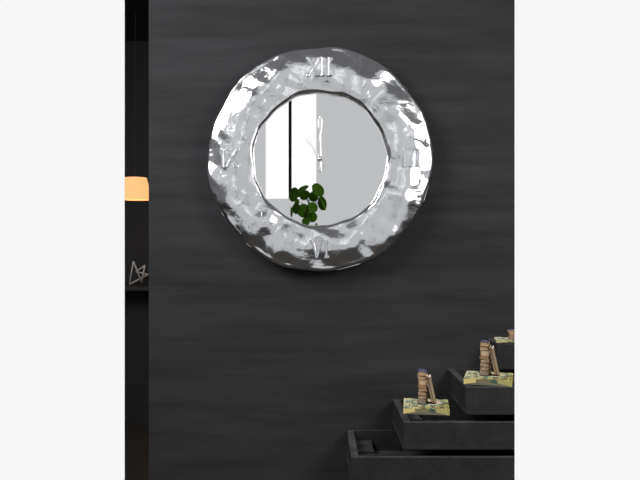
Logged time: 11,00
